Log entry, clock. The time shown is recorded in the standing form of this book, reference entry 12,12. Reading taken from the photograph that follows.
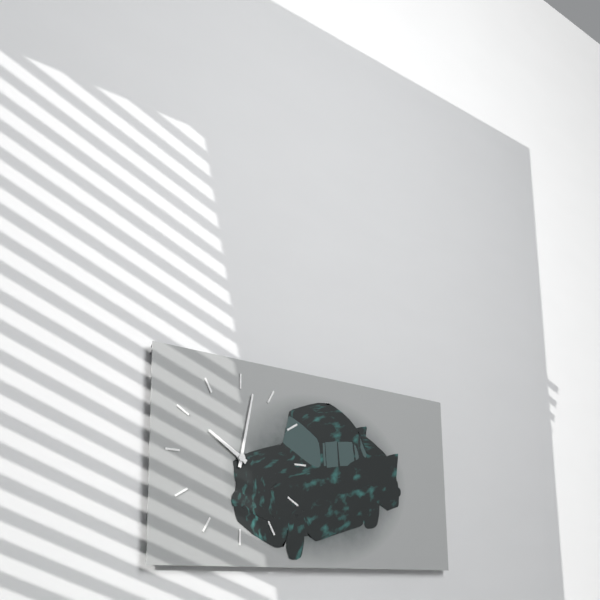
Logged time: 10,02
